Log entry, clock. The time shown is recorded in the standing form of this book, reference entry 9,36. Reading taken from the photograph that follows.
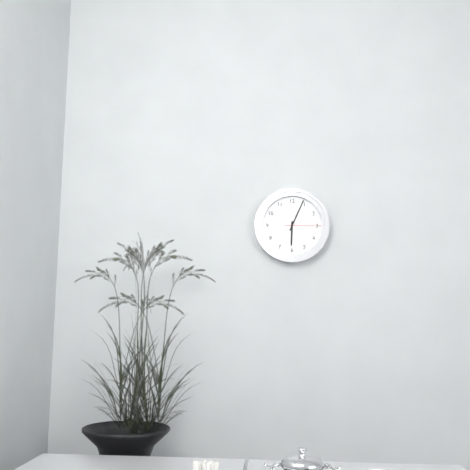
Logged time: 6,04
